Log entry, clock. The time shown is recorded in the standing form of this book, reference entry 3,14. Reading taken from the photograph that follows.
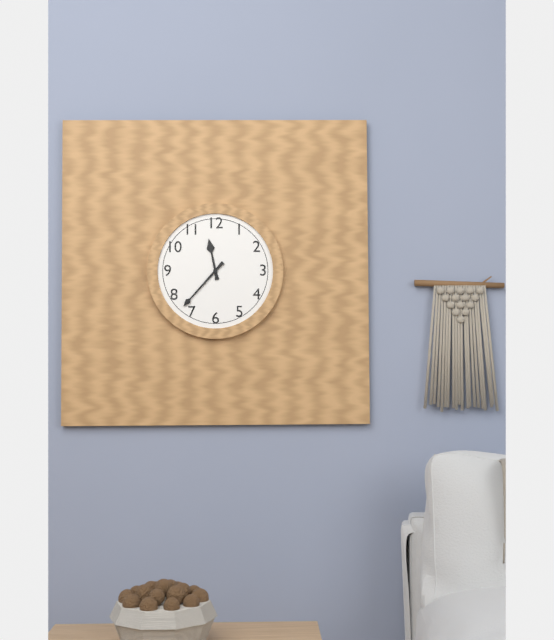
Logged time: 11,37
